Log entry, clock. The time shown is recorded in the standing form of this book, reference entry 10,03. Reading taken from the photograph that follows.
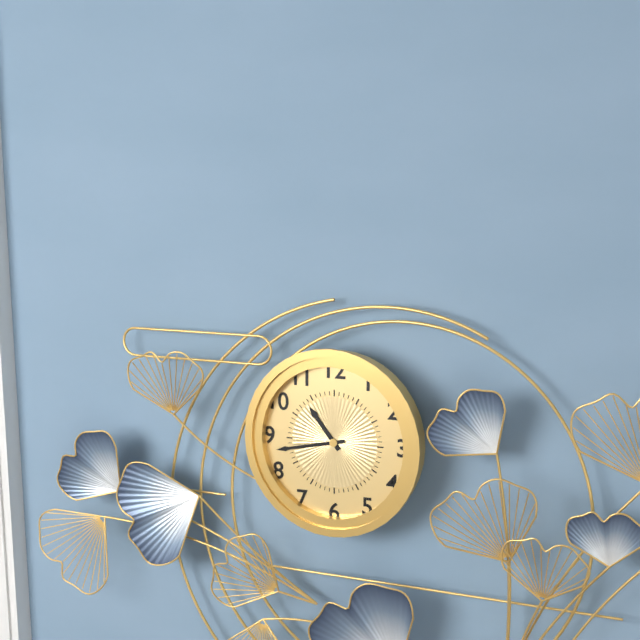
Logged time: 10,43
